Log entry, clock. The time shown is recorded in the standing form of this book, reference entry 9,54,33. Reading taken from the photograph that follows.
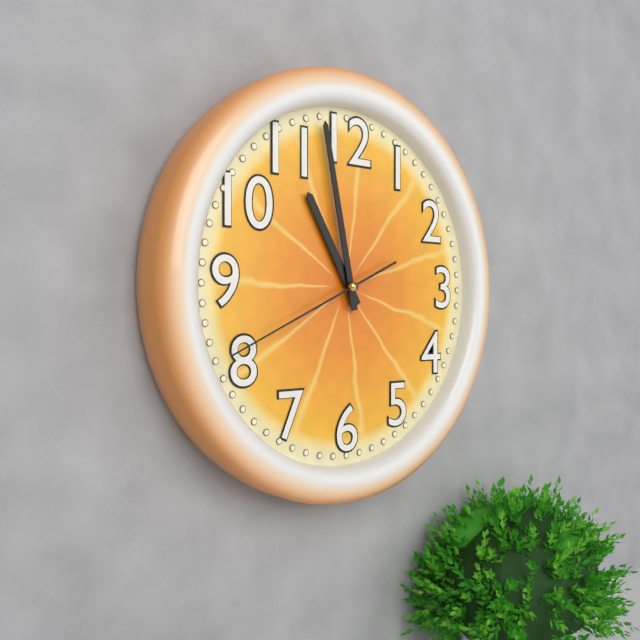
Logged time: 10,58,41
